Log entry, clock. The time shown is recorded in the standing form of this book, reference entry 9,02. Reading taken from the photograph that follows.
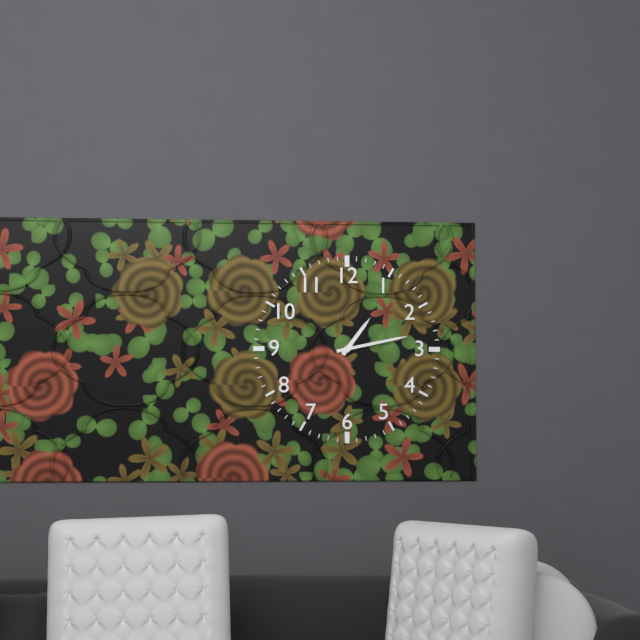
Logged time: 1,13
